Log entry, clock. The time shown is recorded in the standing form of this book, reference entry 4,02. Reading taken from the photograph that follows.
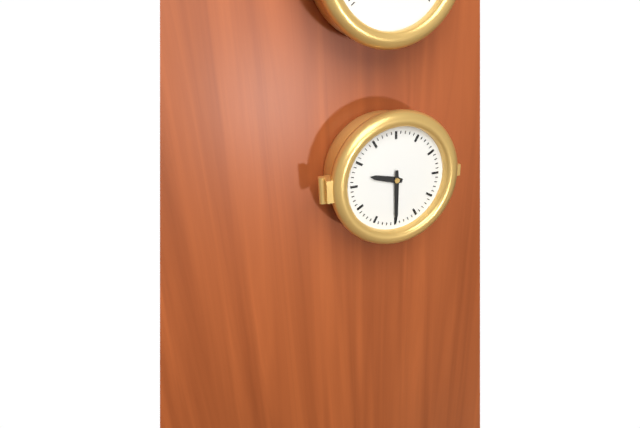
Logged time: 9,30
